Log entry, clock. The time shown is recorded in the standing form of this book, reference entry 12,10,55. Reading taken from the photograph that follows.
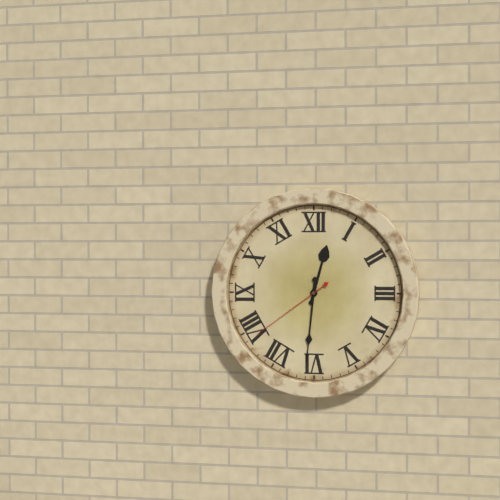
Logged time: 12,31,39
